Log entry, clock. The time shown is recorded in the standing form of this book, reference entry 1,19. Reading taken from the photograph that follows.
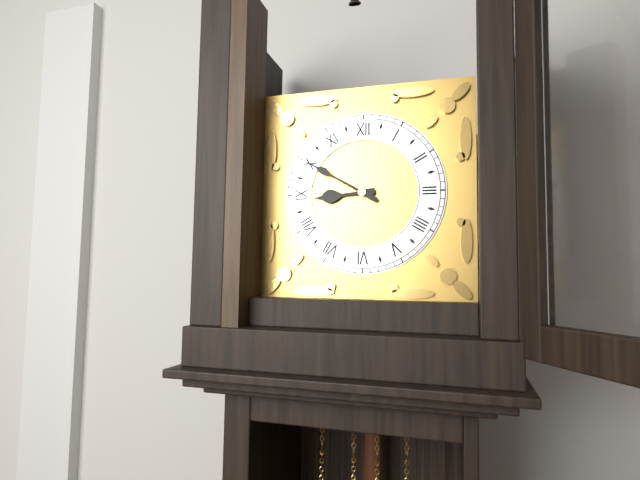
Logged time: 8,50
